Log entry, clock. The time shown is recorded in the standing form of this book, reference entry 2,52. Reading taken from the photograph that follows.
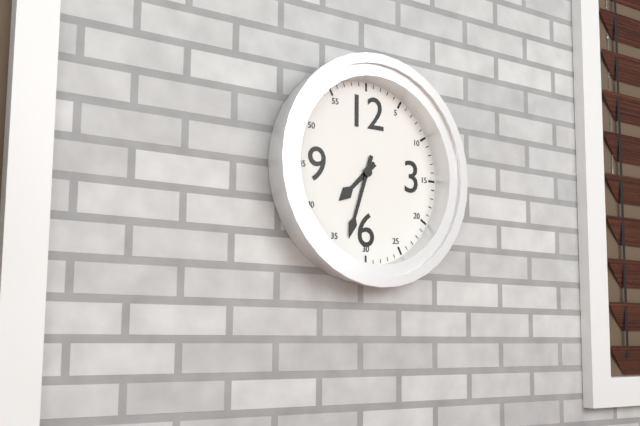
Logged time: 7,33
